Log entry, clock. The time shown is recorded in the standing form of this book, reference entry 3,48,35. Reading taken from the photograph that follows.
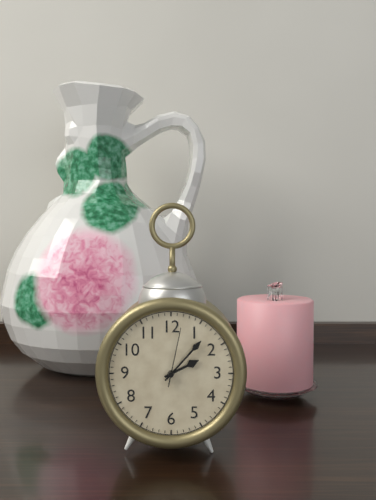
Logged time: 2,07,02
